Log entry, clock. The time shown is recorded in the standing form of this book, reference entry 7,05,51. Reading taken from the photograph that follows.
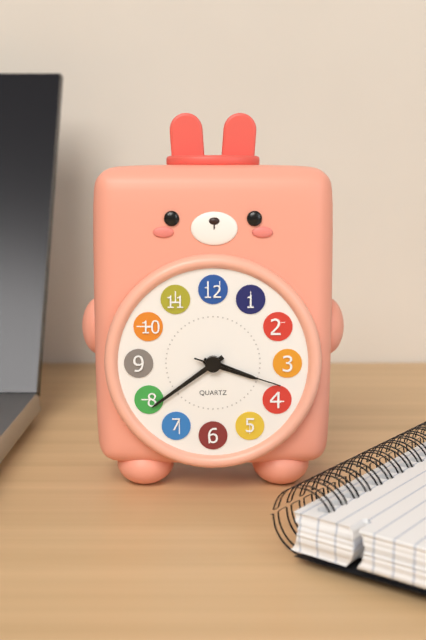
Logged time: 3,39,18
